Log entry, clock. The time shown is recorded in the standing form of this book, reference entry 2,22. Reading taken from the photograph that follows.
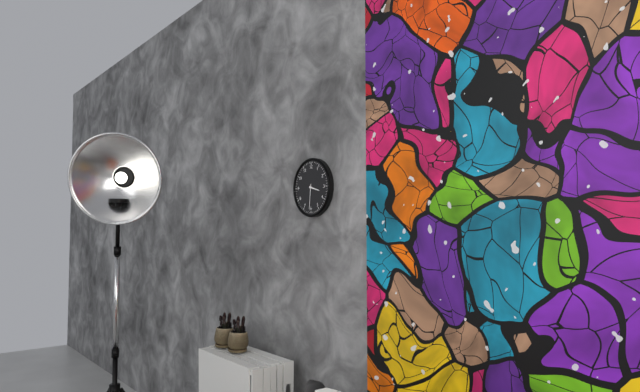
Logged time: 3,31
